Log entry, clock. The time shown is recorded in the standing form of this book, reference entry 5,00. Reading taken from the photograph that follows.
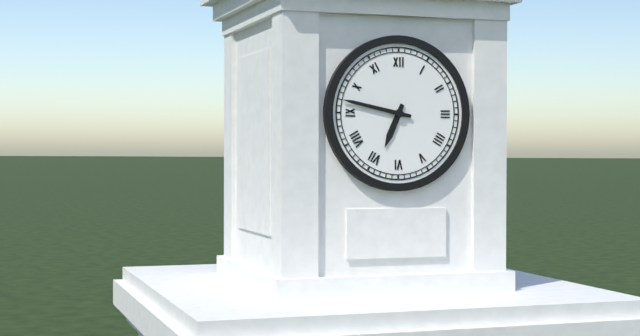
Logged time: 6,47
